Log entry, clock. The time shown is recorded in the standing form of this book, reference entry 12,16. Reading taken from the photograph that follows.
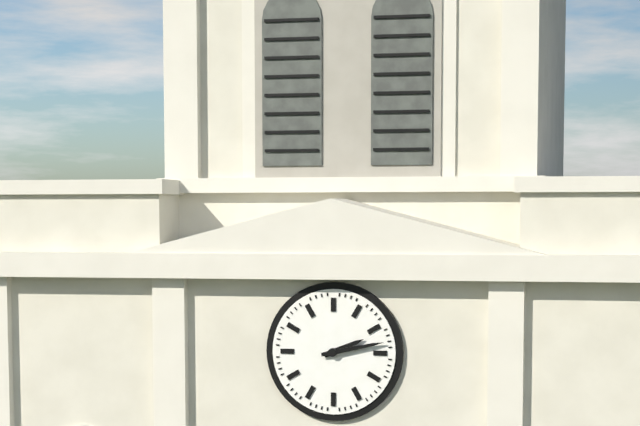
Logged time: 2,13
